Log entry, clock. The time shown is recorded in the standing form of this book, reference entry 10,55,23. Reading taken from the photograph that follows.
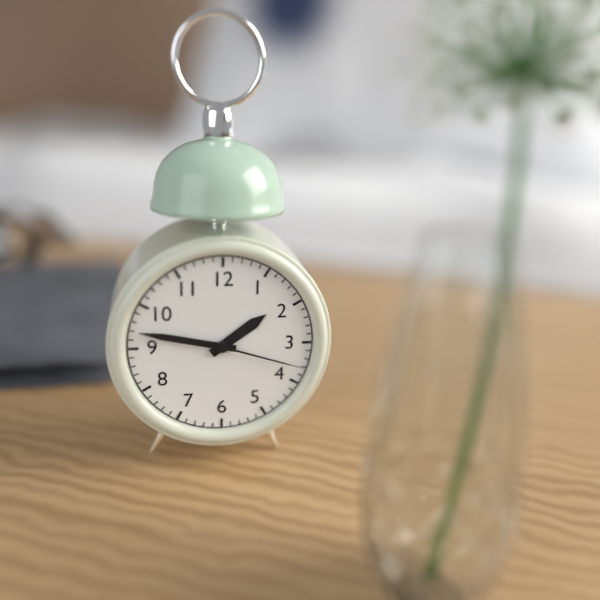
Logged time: 1,47,18
